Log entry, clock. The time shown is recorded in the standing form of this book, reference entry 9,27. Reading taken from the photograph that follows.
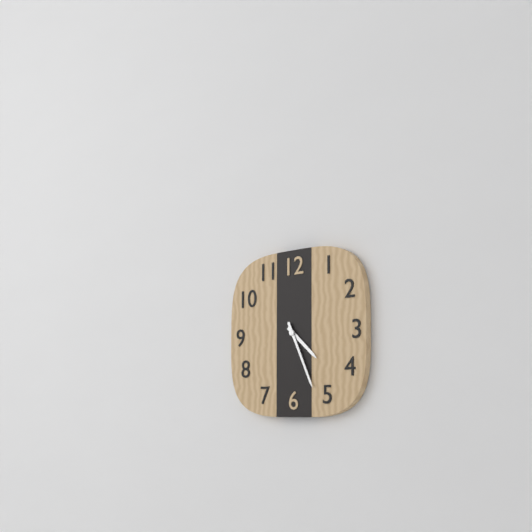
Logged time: 4,26
